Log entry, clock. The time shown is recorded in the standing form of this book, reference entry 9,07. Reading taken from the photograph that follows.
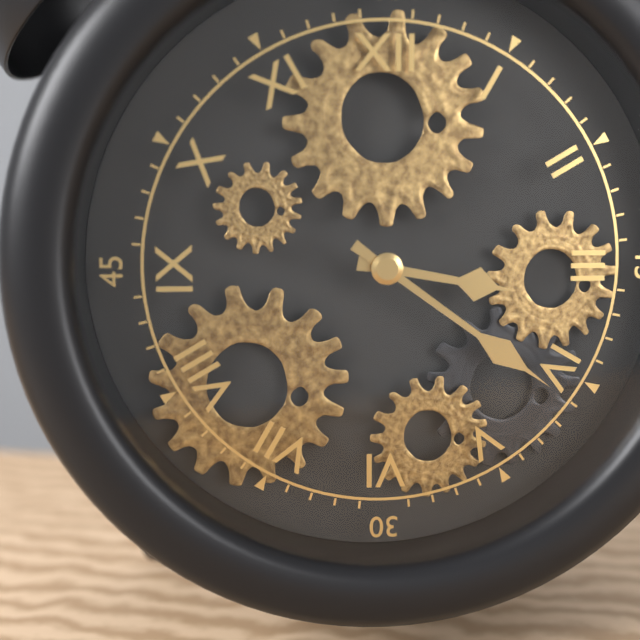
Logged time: 3,21
